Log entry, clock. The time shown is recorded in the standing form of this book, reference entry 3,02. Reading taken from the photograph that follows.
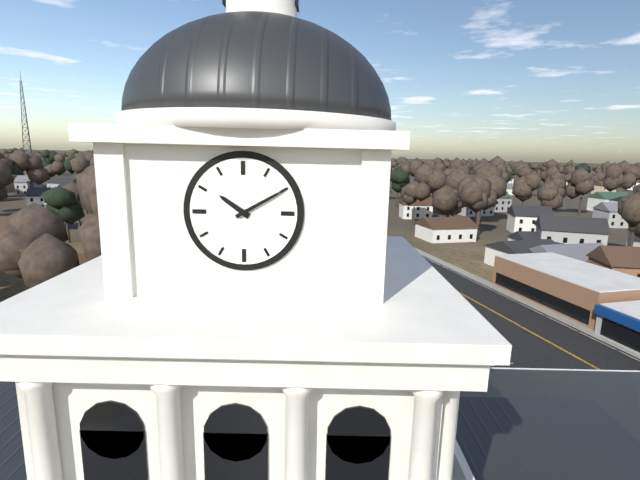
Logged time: 10,10
